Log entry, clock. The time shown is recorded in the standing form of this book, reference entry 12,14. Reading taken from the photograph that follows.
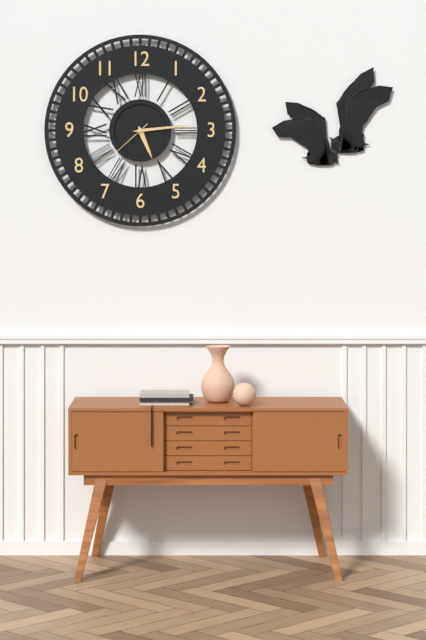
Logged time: 5,14
